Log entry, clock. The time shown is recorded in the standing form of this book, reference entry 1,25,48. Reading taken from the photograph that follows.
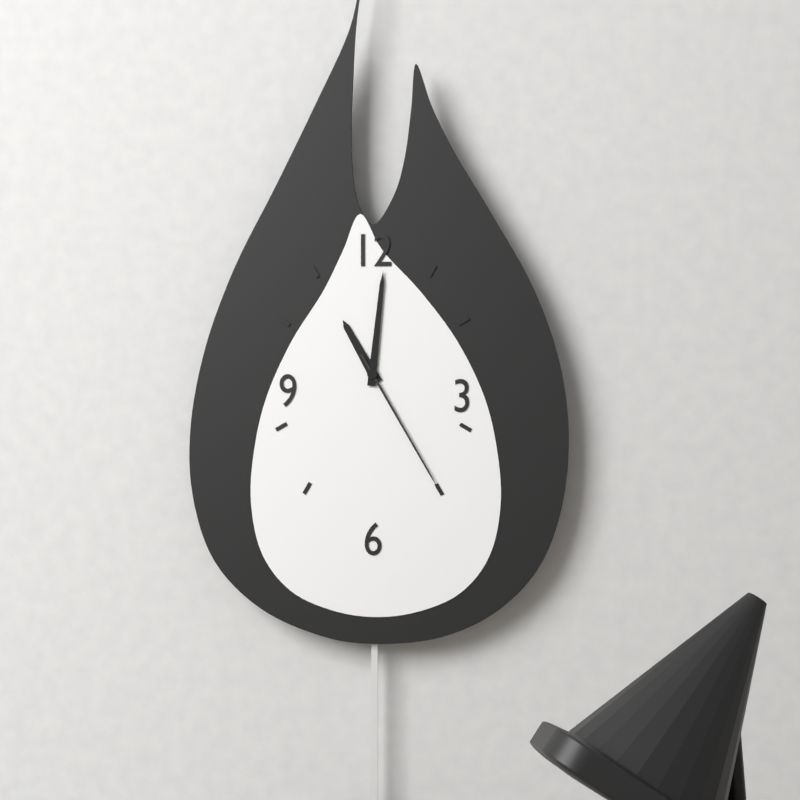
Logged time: 11,01,25
